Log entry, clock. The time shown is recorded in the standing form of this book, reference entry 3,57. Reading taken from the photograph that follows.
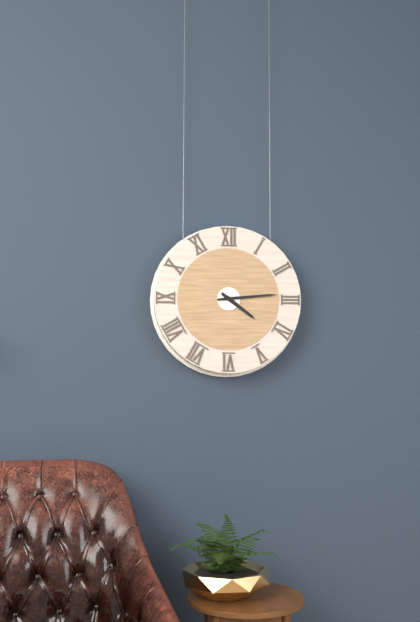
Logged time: 4,14
